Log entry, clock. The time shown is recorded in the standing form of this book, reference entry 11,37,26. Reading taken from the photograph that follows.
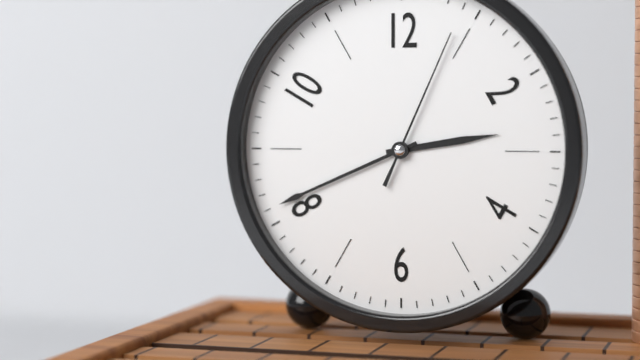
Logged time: 2,41,04
